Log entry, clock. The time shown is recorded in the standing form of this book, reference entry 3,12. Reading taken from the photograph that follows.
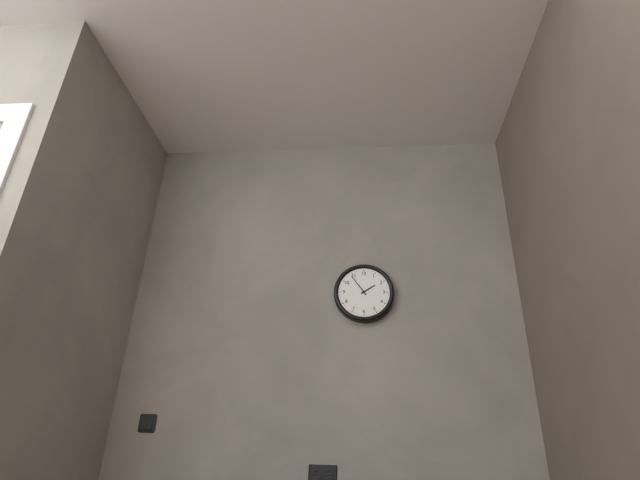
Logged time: 1,54
